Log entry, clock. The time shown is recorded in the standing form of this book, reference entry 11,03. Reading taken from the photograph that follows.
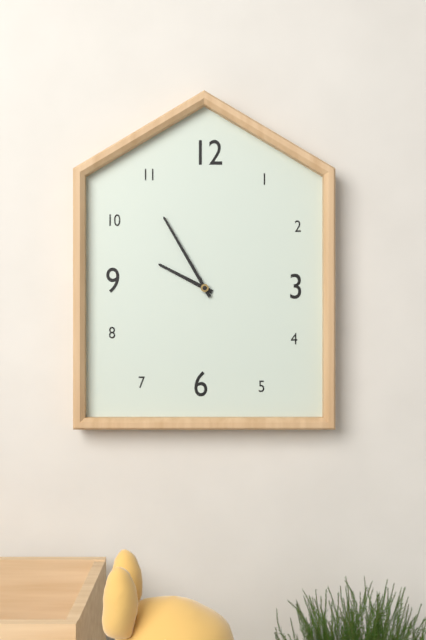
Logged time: 9,55
